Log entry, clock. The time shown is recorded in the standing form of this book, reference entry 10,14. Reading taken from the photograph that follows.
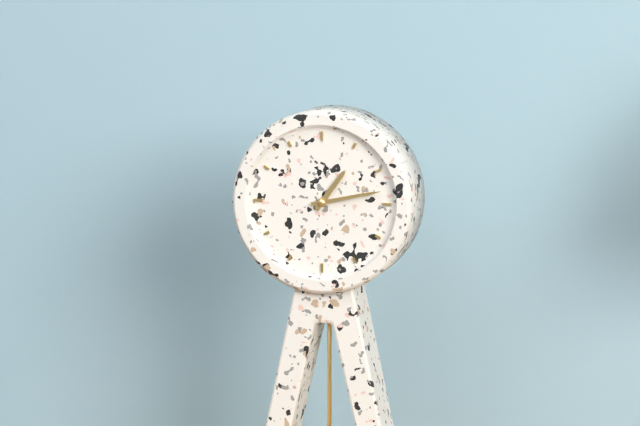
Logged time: 1,13
